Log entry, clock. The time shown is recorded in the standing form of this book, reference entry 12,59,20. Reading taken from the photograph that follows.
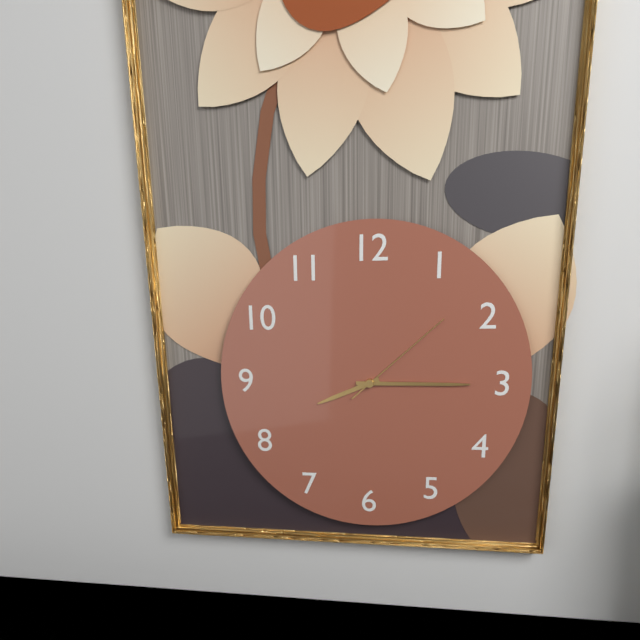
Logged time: 8,15,08
